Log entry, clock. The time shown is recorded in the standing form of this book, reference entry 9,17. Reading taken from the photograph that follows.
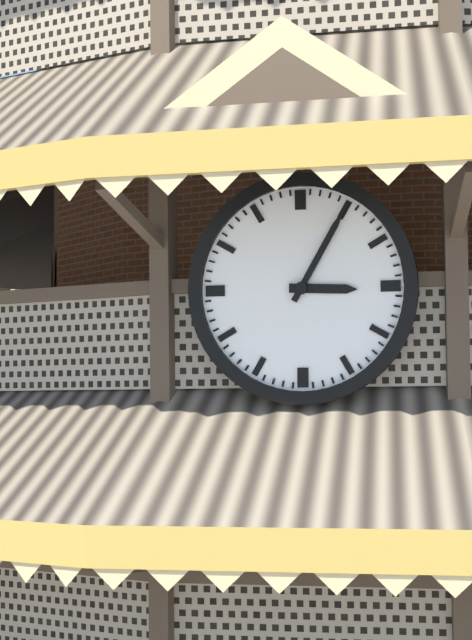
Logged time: 3,05
